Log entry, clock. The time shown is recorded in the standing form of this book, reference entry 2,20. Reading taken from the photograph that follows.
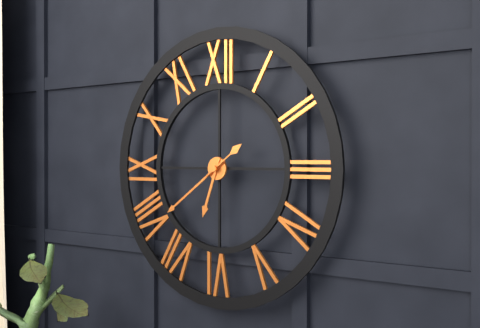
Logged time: 6,39
